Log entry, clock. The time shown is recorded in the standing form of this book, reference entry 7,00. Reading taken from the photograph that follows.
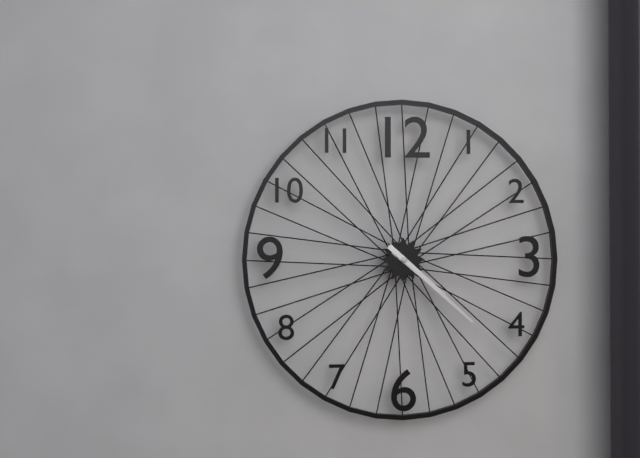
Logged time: 4,22
